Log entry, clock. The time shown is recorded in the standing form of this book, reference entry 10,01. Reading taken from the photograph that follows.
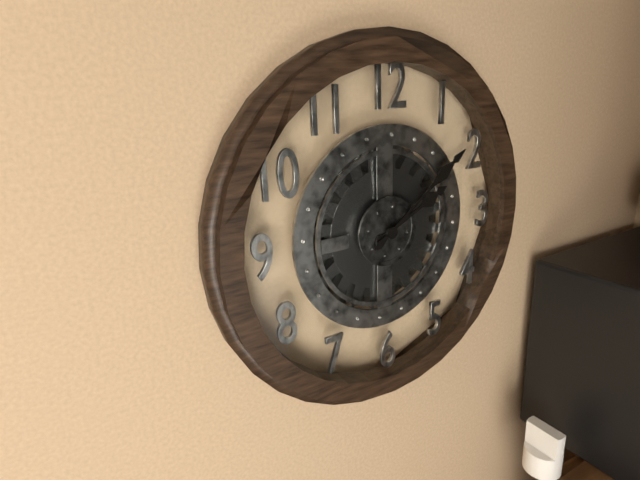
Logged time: 2,09
